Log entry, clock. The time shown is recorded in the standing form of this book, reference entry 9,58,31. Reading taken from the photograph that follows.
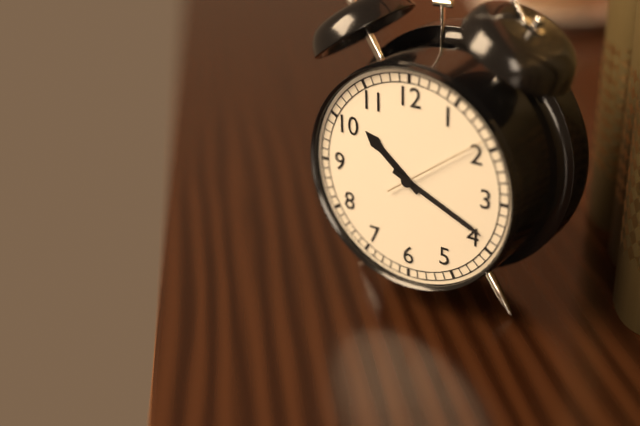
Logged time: 10,19,09
